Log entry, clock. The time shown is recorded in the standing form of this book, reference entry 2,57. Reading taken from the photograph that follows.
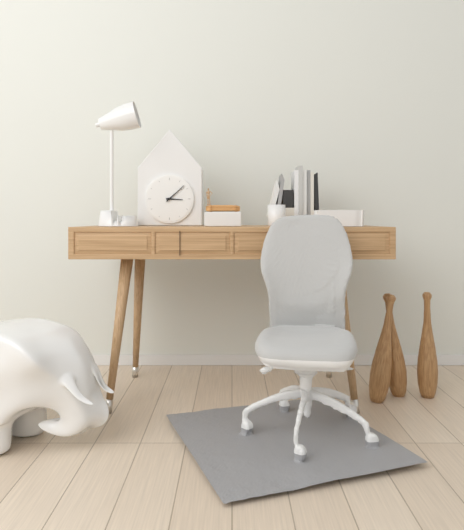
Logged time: 3,08
